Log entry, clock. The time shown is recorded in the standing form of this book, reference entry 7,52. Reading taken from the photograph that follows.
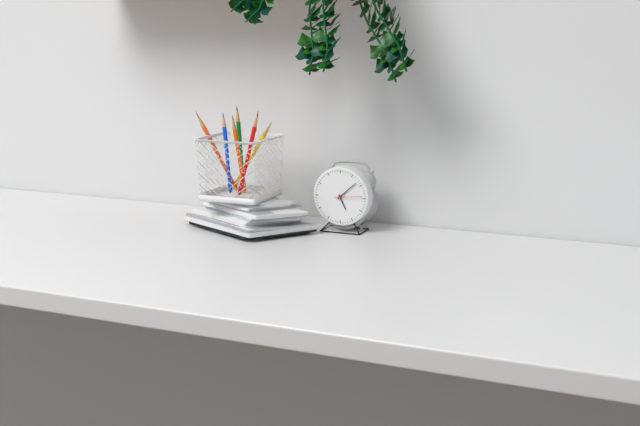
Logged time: 5,08
